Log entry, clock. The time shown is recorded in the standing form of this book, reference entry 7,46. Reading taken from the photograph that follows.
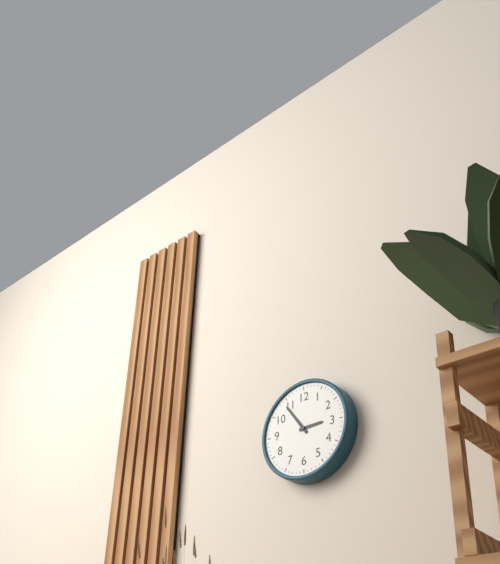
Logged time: 2,54
